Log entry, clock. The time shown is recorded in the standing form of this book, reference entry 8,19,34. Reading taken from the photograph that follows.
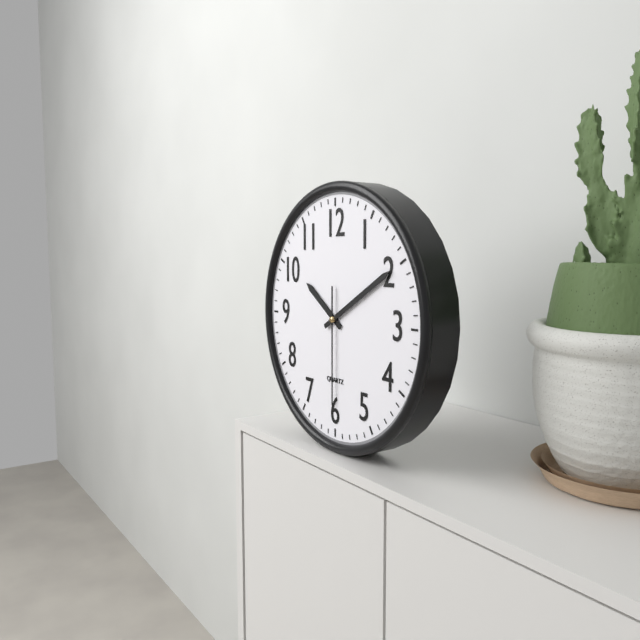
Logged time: 10,10,30
